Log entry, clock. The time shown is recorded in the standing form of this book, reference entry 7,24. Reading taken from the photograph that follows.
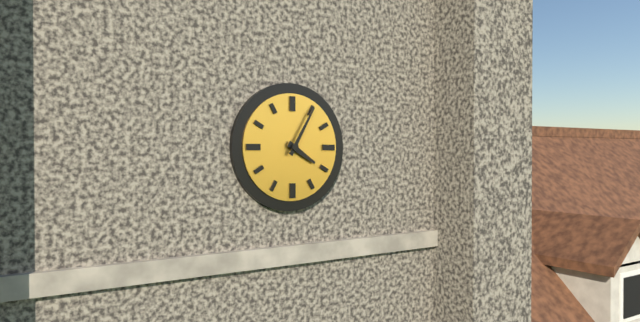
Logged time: 4,05
